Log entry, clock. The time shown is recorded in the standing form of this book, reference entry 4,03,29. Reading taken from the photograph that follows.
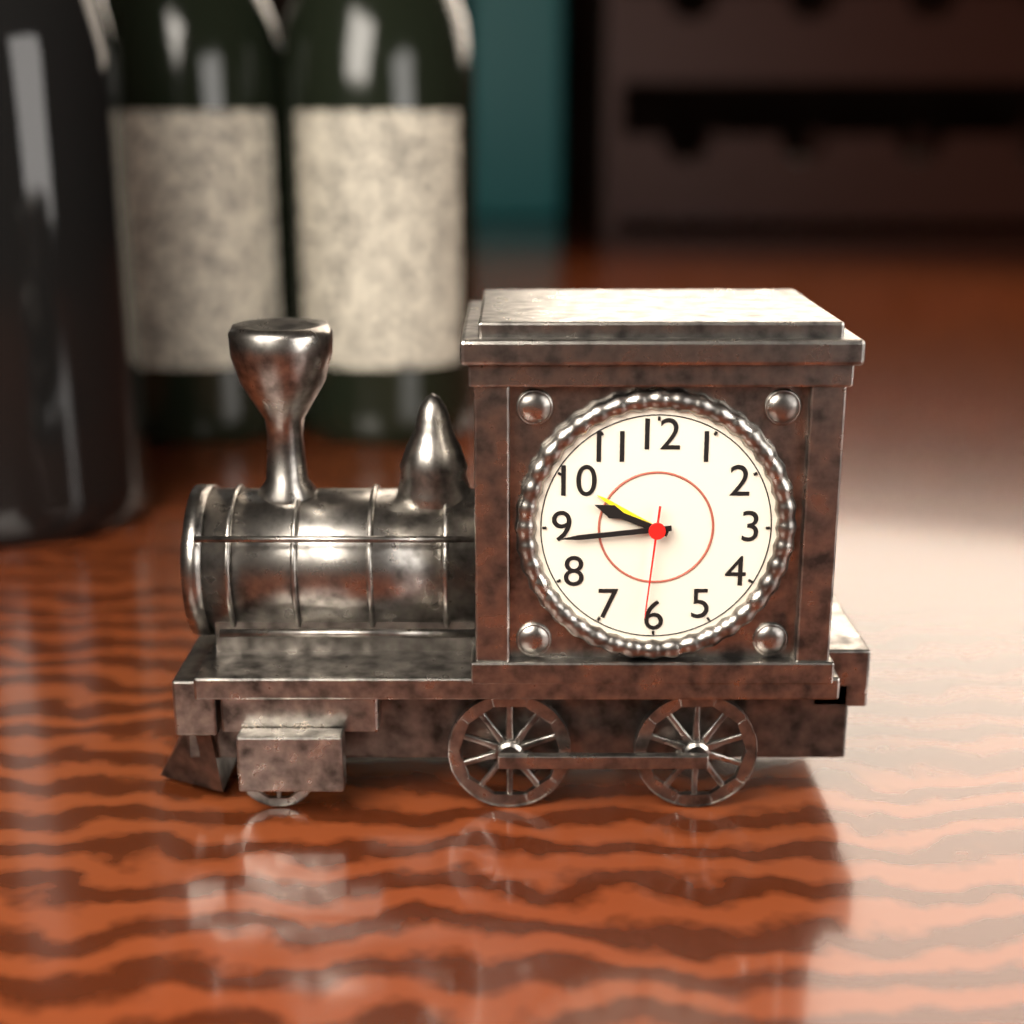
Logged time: 9,44,31
